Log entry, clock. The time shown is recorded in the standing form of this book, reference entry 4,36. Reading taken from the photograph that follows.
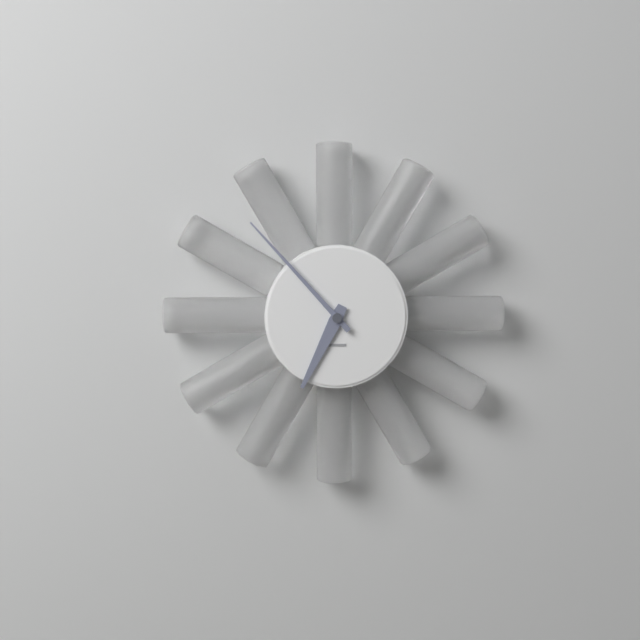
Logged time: 6,53
